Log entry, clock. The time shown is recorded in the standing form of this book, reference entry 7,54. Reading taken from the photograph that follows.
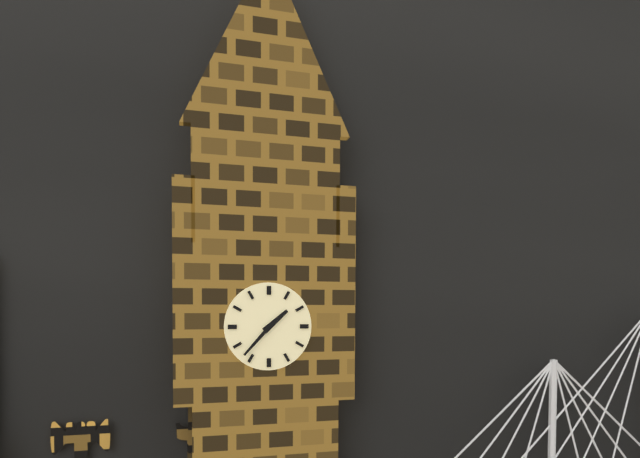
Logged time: 1,37
